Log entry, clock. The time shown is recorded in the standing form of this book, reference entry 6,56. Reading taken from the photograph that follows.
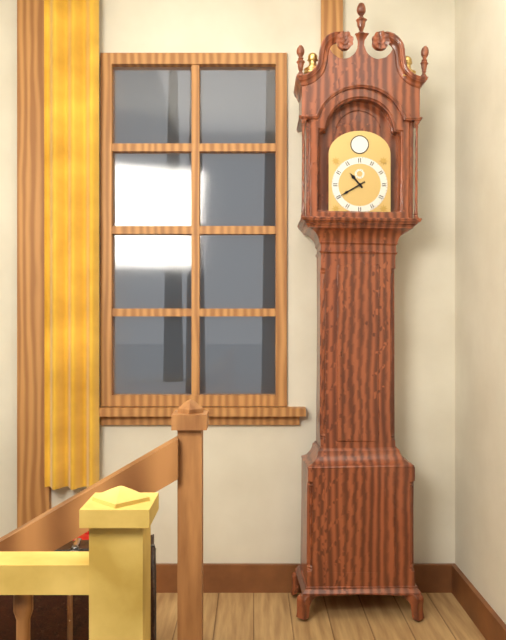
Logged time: 10,40
